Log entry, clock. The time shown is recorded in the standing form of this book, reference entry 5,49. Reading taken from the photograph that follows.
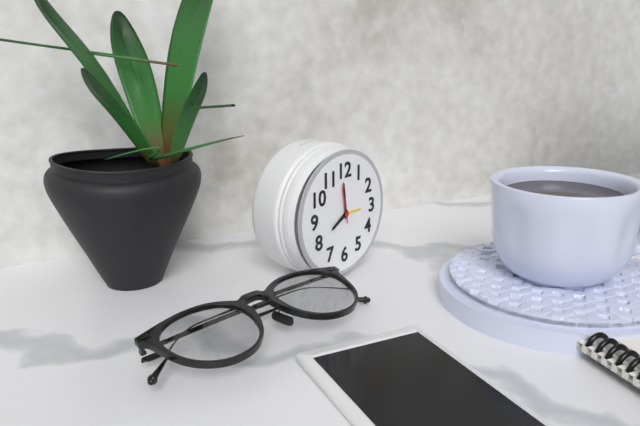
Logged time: 7,59
